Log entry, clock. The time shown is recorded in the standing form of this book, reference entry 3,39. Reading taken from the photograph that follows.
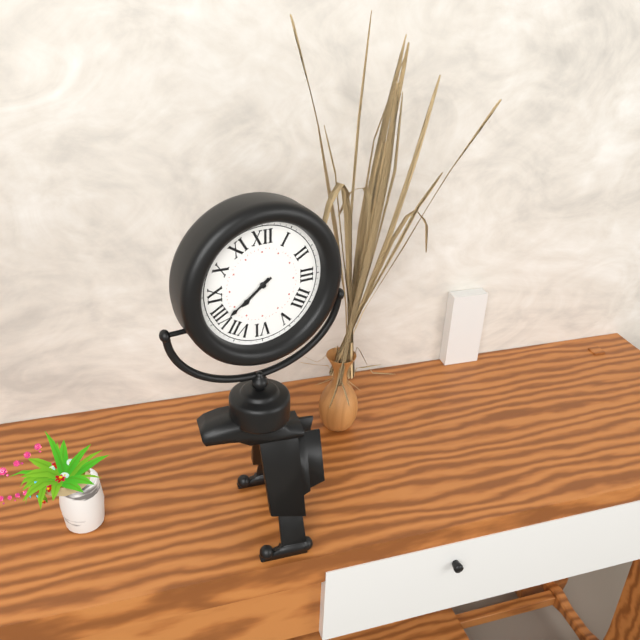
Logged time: 7,39
